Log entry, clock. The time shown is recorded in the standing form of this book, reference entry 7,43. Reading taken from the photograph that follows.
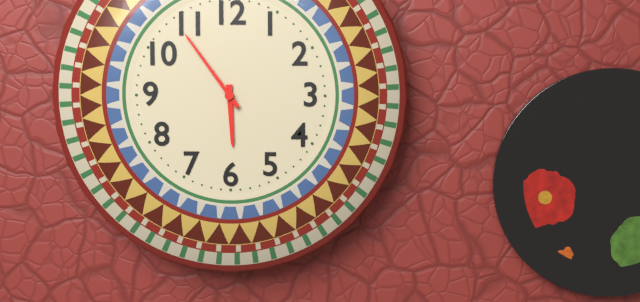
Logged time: 5,54
